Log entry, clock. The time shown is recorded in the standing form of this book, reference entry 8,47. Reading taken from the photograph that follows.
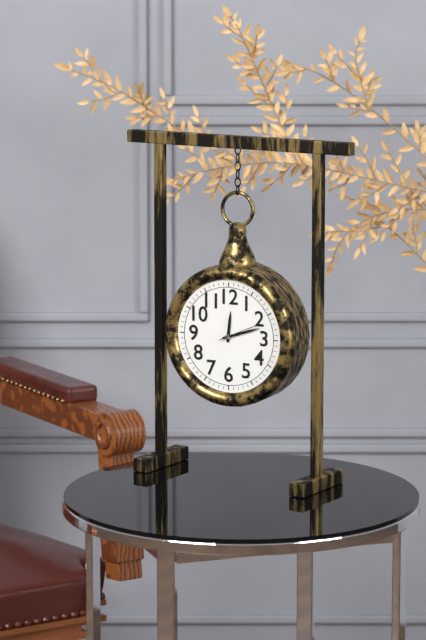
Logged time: 12,12
